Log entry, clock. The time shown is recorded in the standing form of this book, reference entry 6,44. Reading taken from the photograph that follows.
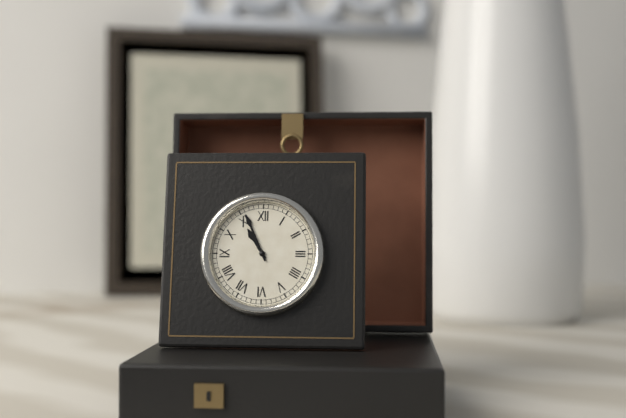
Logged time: 10,56
